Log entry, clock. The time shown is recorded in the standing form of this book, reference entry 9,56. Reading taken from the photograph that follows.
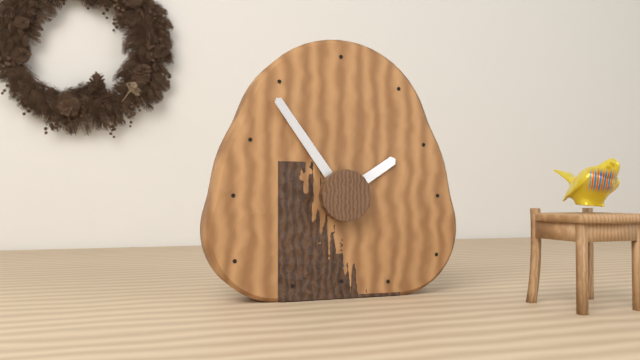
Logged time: 1,54
